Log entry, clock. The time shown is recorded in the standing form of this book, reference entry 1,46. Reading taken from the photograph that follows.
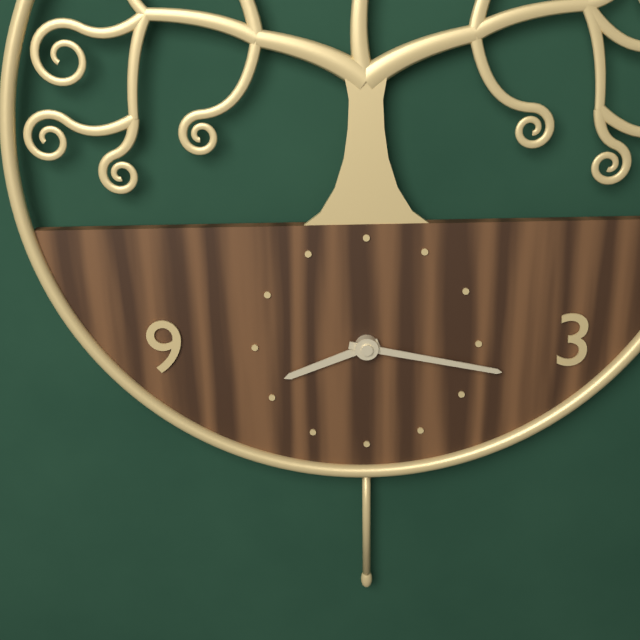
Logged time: 8,17
